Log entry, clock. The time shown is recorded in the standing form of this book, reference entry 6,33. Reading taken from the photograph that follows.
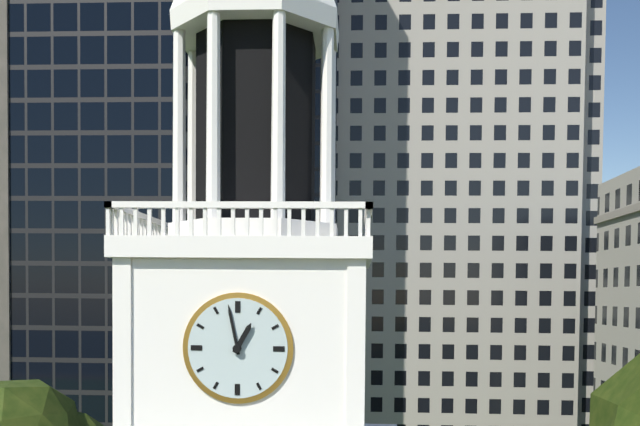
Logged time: 12,58
